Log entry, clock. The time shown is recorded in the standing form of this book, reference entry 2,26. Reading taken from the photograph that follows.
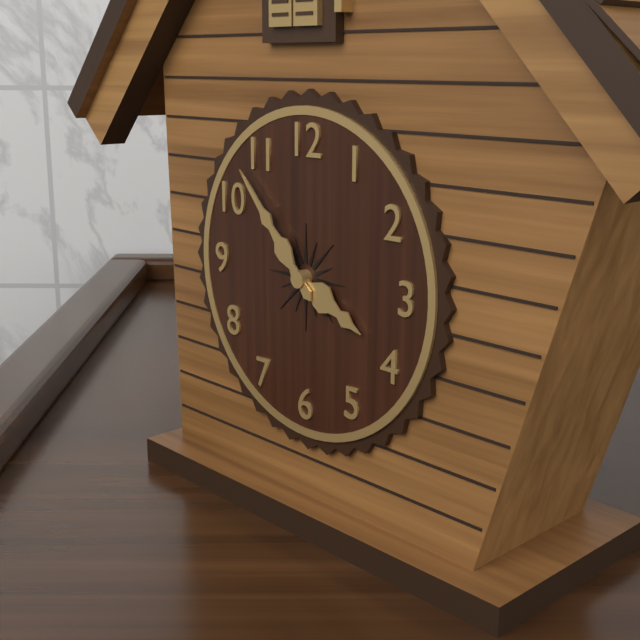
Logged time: 3,53
